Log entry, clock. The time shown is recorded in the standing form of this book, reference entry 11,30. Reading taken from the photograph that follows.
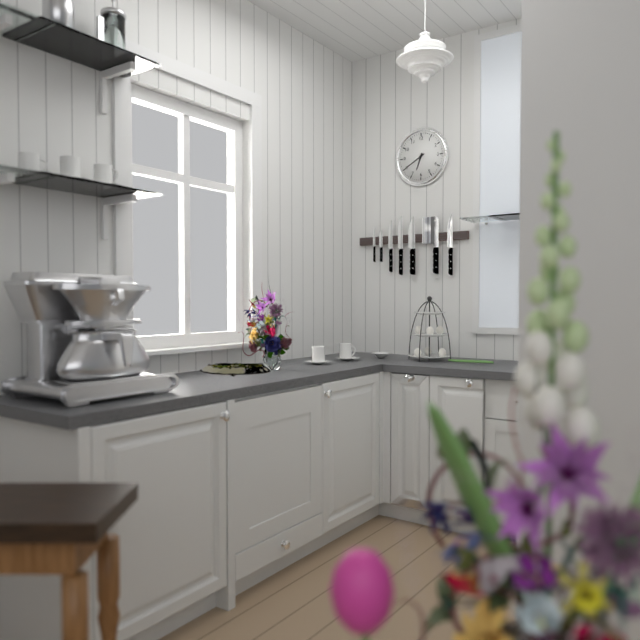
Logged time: 6,40
